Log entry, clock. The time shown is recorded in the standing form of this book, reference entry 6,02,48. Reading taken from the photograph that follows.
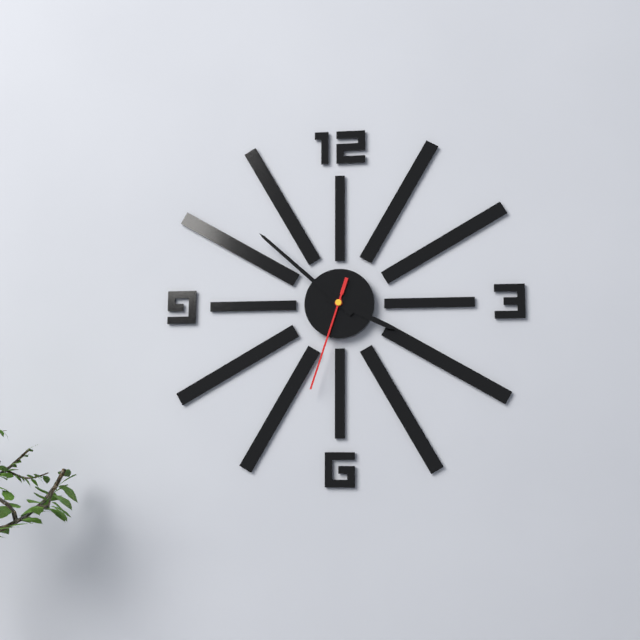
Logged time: 3,52,33
